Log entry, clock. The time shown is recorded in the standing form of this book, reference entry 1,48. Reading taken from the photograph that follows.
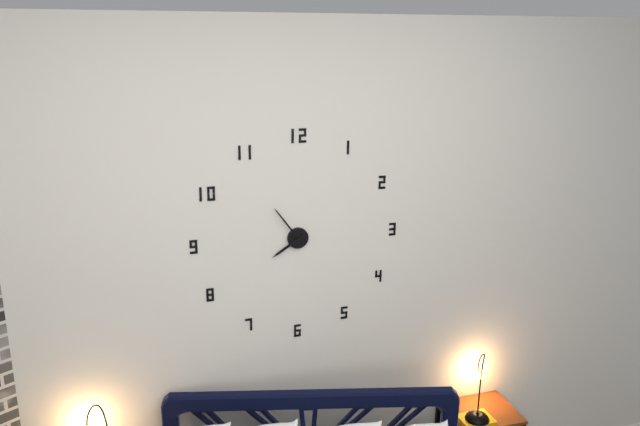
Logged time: 7,54
